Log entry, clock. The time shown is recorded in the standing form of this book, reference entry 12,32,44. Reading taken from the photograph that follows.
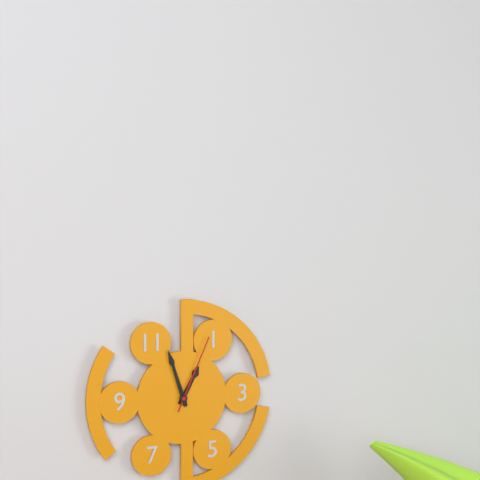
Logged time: 12,57,04
